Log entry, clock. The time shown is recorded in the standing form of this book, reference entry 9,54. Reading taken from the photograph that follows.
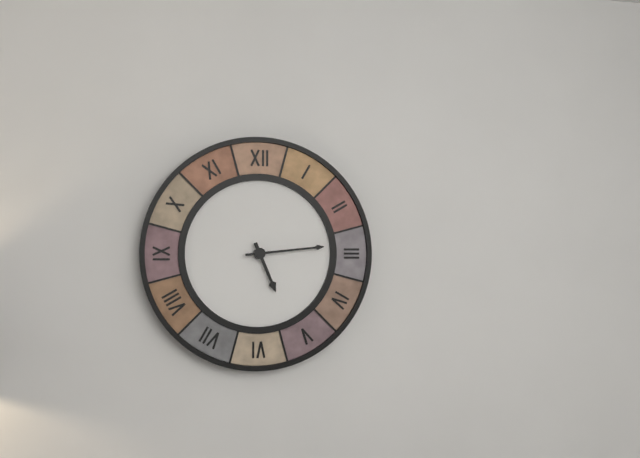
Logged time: 5,14
